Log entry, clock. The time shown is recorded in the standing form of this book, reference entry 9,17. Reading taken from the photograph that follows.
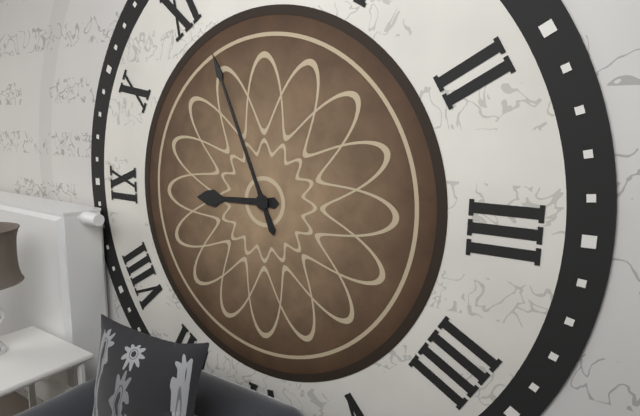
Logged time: 8,56
